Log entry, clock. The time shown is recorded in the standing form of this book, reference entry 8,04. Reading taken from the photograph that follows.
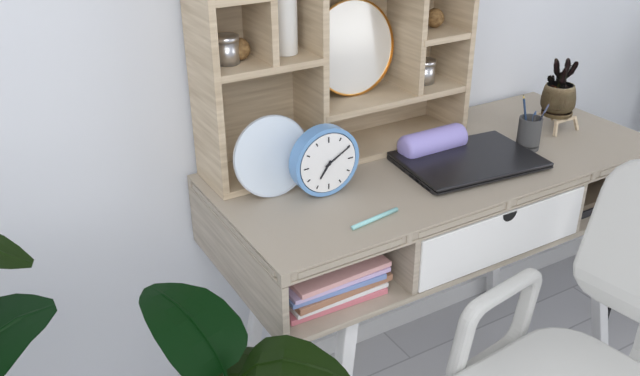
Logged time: 7,10
